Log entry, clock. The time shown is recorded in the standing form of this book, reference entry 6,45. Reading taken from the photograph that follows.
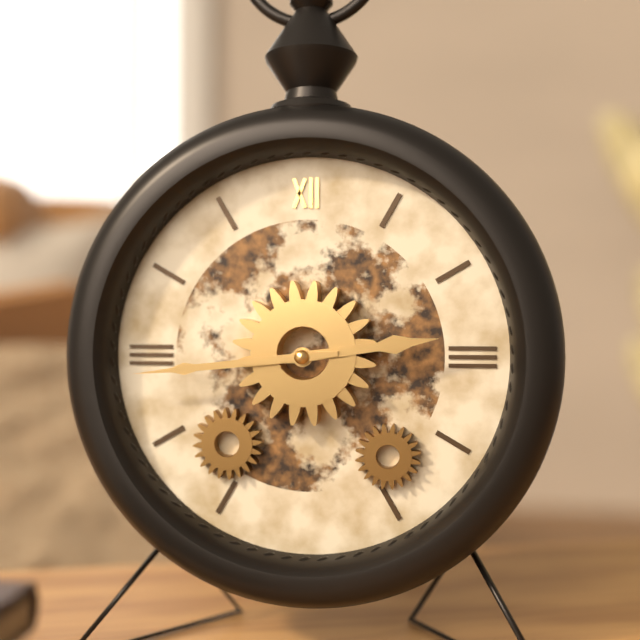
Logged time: 2,44
